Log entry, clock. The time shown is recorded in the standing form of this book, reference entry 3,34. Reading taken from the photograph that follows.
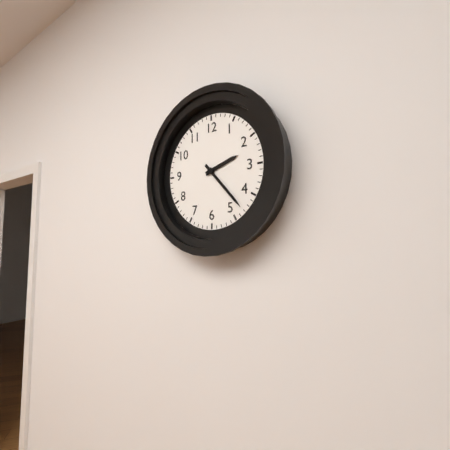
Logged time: 2,23
